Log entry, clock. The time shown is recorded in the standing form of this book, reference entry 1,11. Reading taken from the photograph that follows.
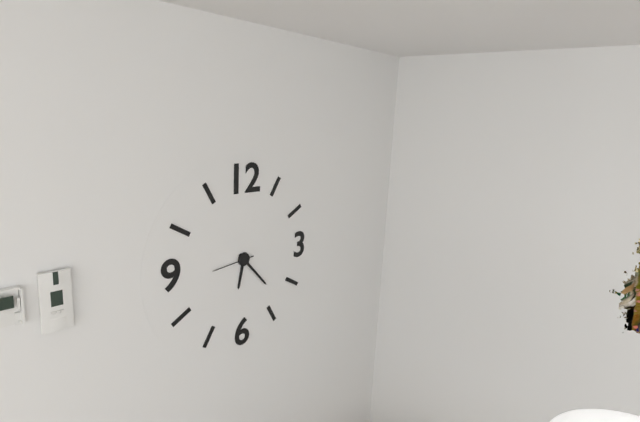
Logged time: 6,23
